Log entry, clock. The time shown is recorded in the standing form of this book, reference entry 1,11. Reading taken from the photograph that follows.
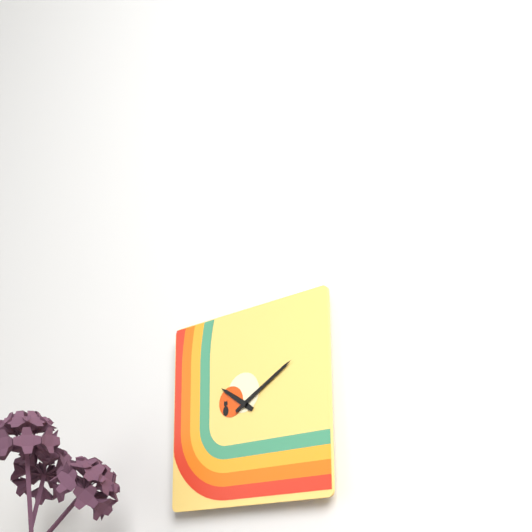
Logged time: 10,10
